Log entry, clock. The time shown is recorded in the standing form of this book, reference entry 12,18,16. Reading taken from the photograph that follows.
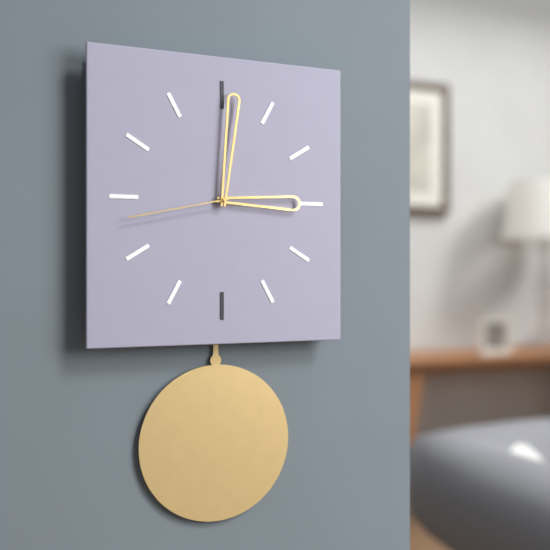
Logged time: 3,01,43
